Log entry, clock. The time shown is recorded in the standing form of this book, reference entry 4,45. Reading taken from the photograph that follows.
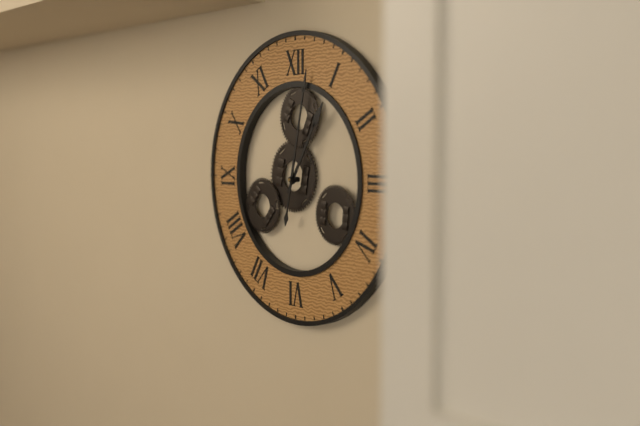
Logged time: 1,02
